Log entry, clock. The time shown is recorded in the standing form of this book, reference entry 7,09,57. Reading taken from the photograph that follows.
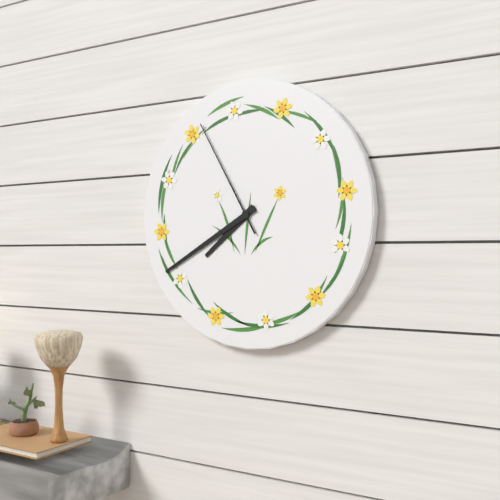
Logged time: 7,40,55
